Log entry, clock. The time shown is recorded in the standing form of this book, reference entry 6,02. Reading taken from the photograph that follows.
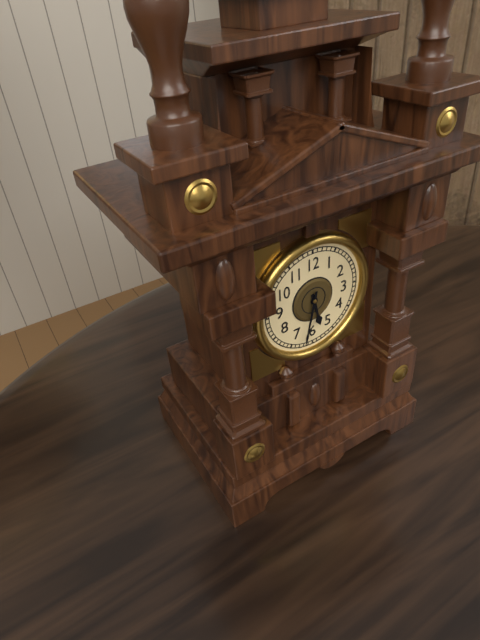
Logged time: 5,32
